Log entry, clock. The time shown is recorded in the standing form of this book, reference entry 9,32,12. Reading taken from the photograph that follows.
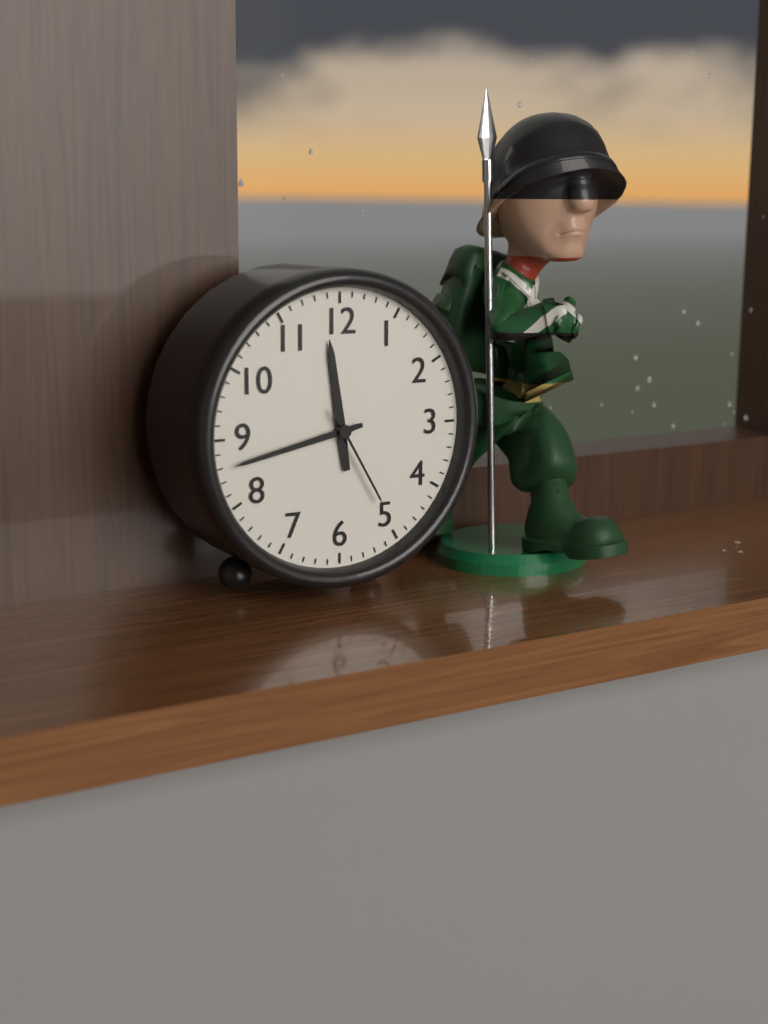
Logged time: 11,43,25
